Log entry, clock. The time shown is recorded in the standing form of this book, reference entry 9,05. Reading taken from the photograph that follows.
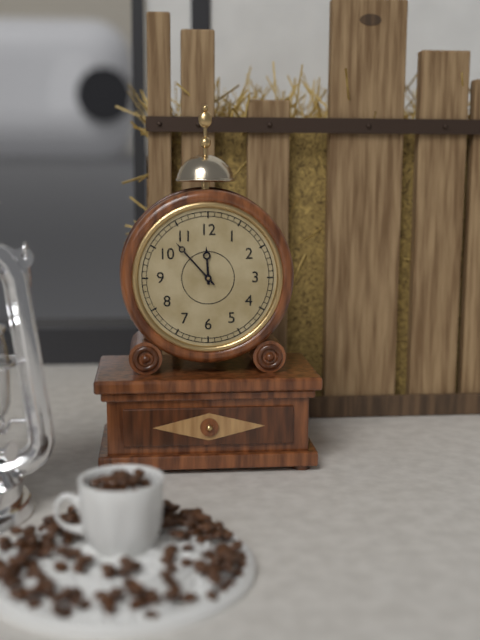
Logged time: 11,53
